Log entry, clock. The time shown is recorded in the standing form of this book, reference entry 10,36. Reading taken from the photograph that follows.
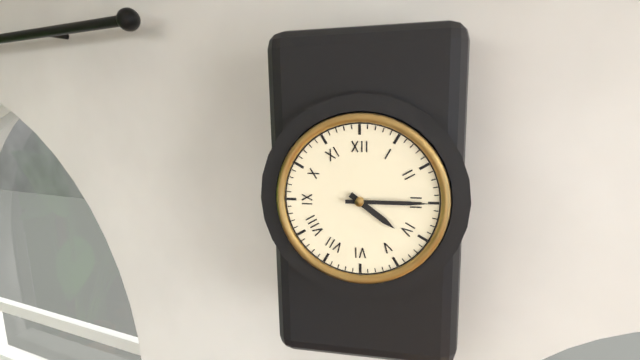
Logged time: 4,15
